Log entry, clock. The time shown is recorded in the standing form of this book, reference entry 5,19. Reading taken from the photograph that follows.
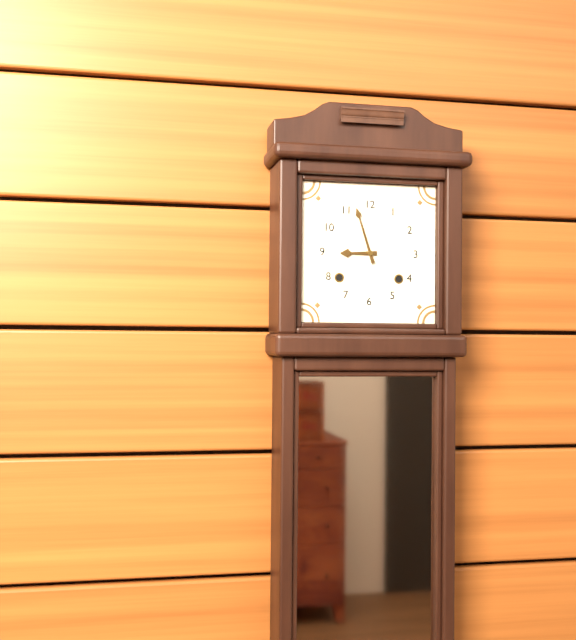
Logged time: 8,57
